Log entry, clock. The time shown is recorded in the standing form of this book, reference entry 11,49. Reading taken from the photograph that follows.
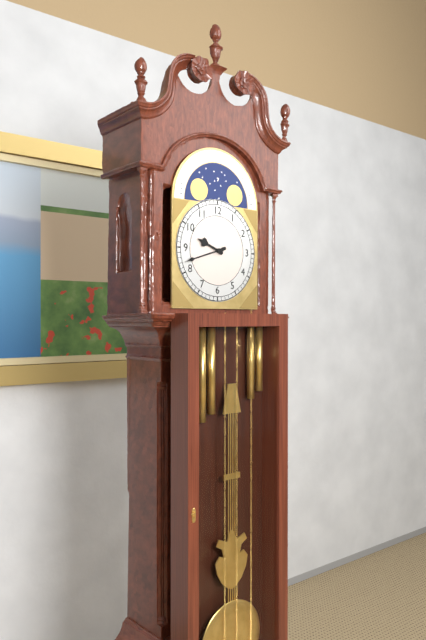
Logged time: 9,42
